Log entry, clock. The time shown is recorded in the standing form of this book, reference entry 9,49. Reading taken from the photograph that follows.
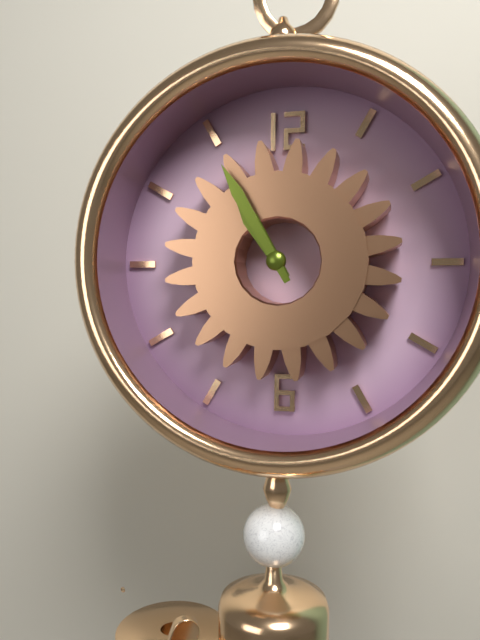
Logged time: 10,55
